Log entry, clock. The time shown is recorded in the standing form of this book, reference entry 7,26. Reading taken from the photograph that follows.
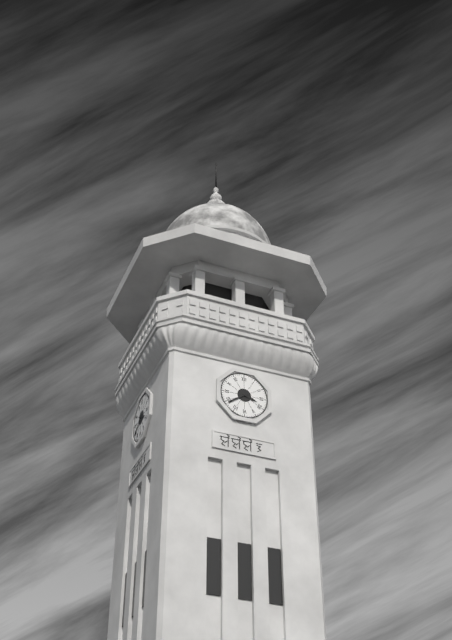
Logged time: 3,39
